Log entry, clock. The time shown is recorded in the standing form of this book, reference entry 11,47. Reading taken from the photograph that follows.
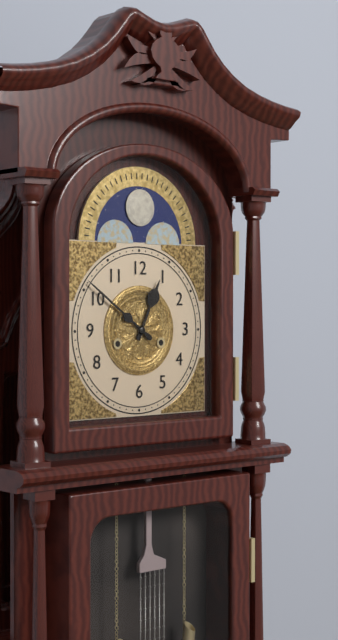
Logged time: 12,51
